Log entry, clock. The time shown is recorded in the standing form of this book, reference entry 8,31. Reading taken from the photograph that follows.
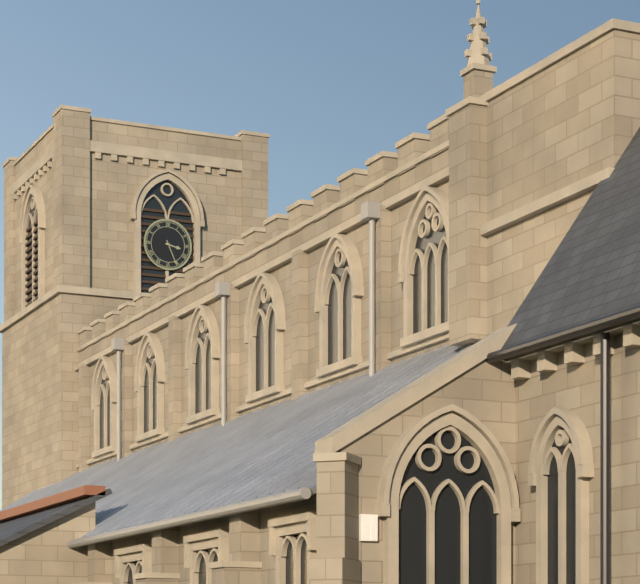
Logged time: 3,26
